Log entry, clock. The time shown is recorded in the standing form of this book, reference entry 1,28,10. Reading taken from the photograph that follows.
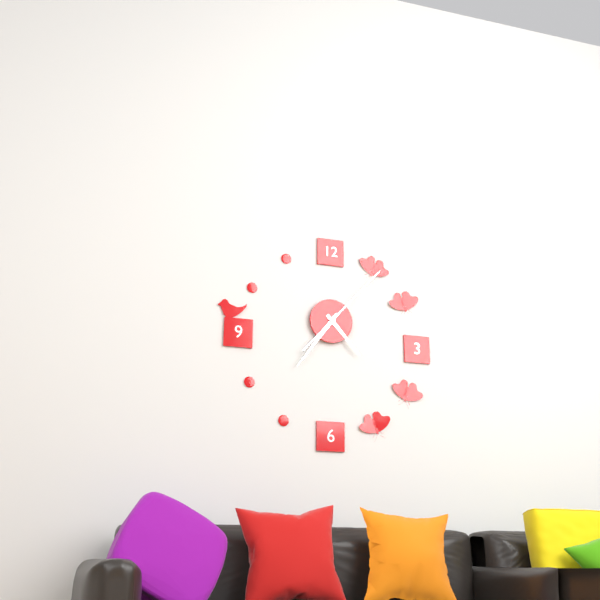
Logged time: 4,36,07
